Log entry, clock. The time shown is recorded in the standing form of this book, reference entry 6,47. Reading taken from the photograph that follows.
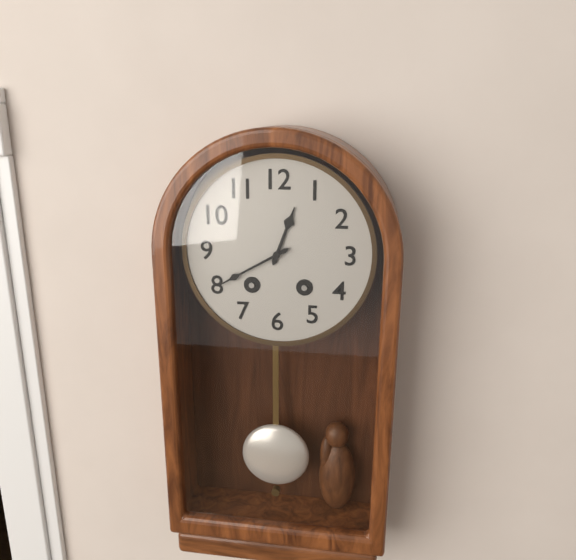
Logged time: 12,40
